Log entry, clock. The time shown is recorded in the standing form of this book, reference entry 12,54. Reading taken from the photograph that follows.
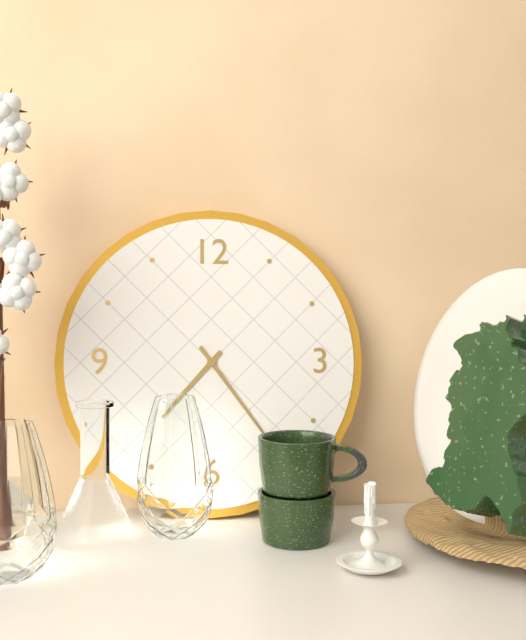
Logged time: 7,24
